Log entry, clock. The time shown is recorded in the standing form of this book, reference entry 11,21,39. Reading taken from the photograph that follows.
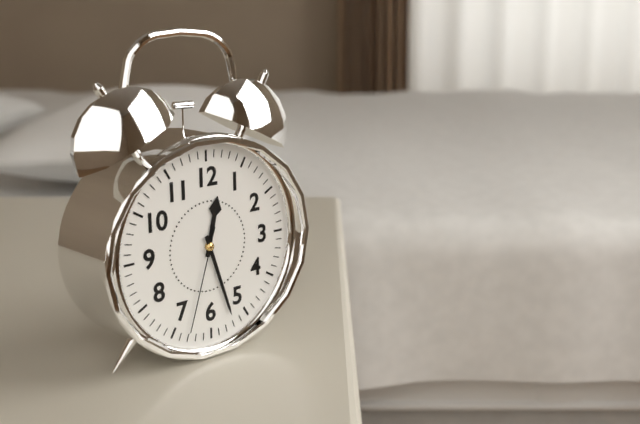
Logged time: 12,27,33
